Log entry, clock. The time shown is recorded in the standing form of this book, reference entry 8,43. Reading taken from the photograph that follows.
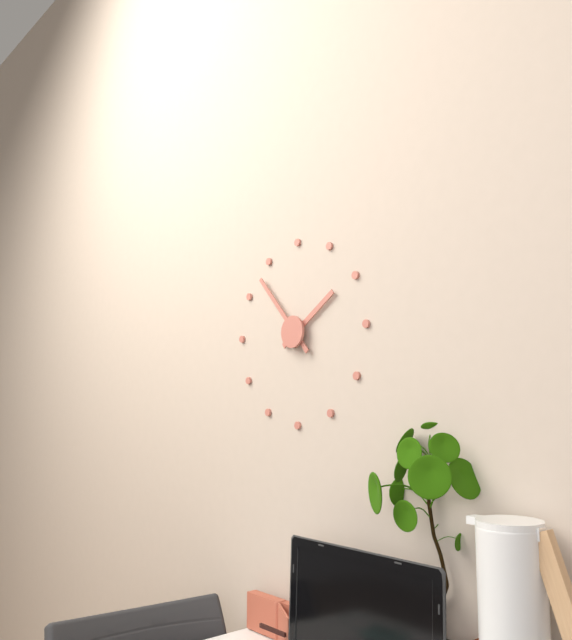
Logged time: 1,53
